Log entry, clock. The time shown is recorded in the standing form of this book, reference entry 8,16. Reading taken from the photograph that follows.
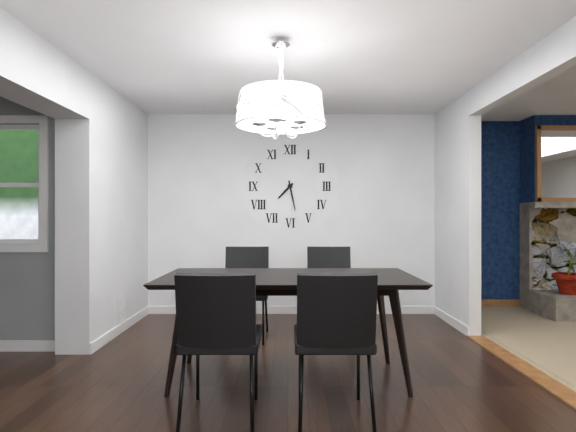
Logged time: 7,28
